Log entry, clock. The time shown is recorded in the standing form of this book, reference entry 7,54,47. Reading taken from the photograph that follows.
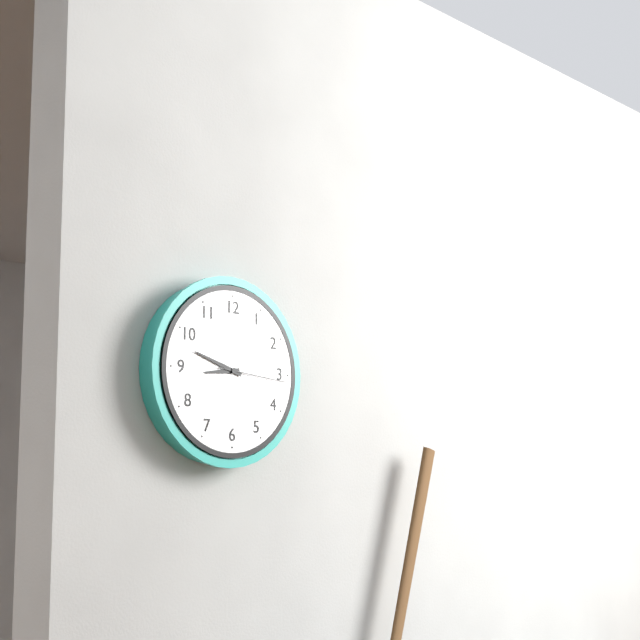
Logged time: 8,48,16
